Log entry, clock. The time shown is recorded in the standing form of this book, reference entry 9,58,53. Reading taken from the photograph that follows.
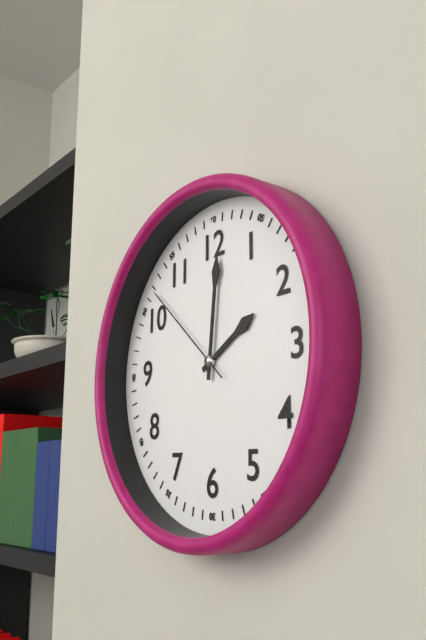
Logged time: 2,01,52
